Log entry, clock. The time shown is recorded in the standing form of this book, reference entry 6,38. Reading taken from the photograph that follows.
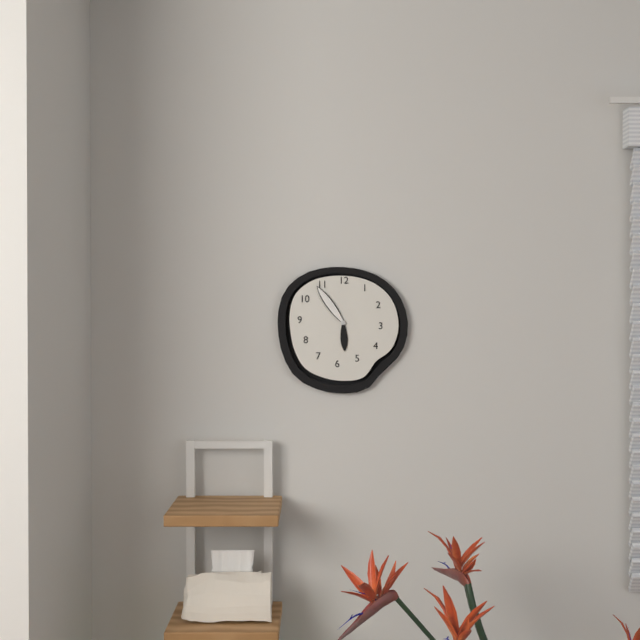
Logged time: 5,54
